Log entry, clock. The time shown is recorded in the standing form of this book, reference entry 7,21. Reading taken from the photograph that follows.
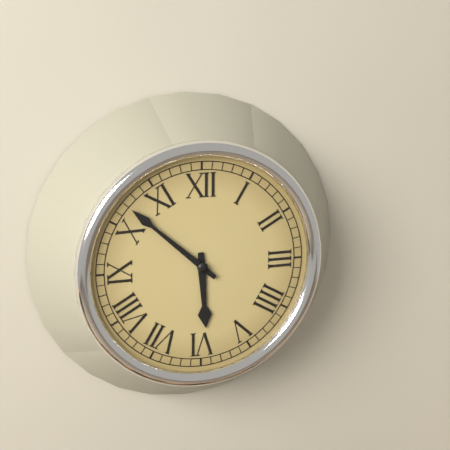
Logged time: 5,52
